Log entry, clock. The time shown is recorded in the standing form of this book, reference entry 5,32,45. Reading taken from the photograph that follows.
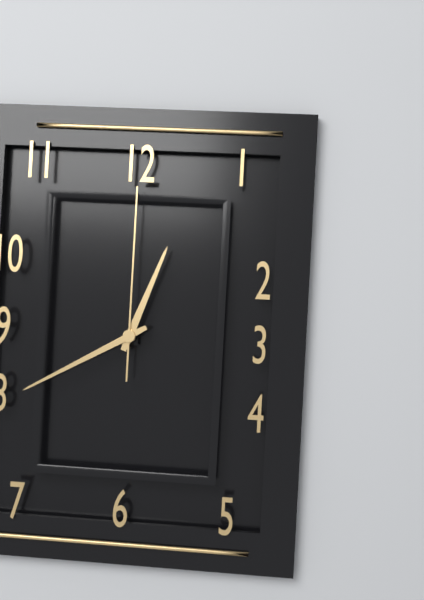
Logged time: 12,40,00
